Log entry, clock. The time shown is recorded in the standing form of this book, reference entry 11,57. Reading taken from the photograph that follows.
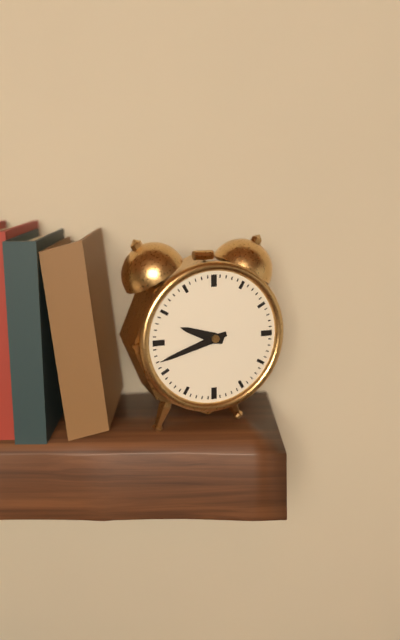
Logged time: 9,42
